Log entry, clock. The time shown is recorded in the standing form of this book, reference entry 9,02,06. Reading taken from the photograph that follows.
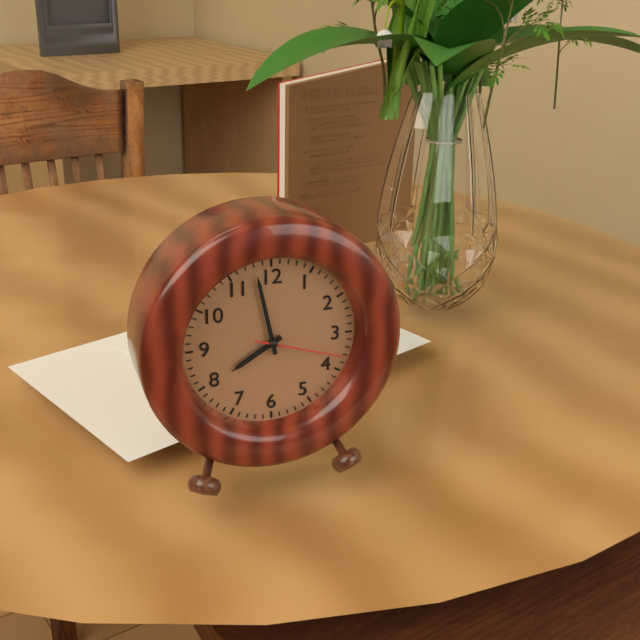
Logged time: 7,58,18
